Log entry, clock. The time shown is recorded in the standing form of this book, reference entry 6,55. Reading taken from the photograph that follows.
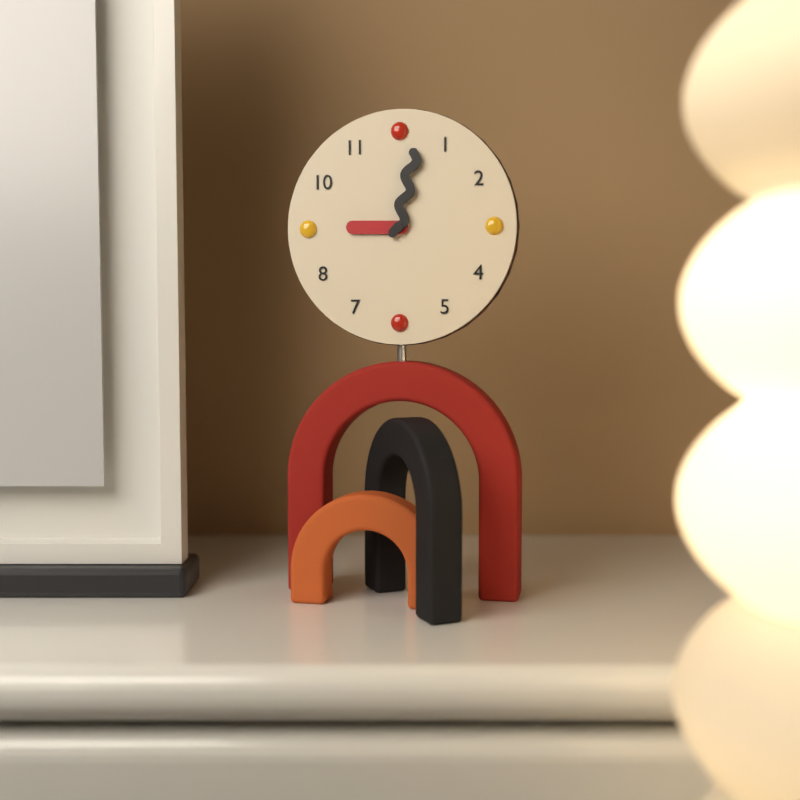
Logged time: 9,02
